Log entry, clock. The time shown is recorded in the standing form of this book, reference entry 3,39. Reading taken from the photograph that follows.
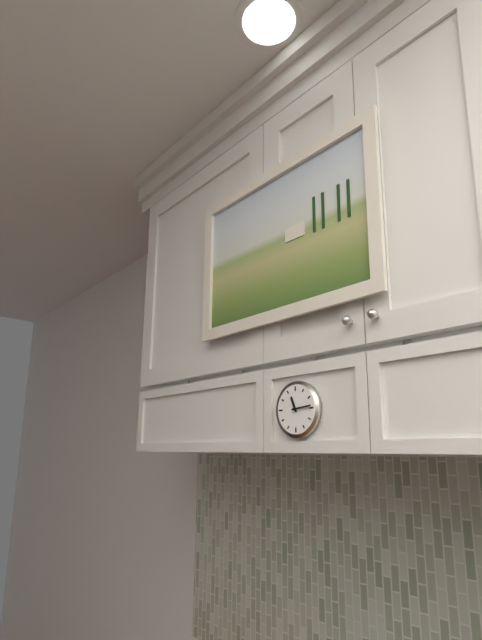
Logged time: 11,14
